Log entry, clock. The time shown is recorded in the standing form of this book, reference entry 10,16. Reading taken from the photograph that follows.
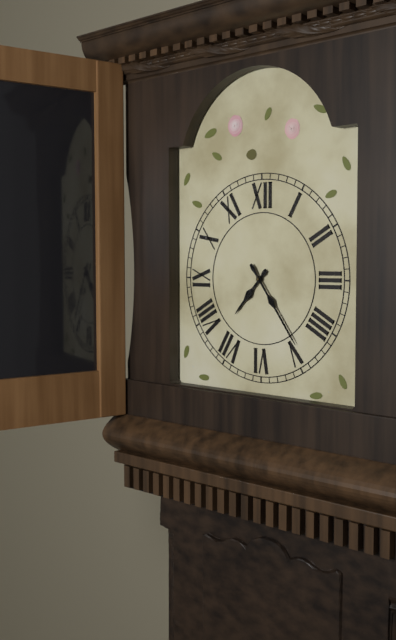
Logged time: 7,24
